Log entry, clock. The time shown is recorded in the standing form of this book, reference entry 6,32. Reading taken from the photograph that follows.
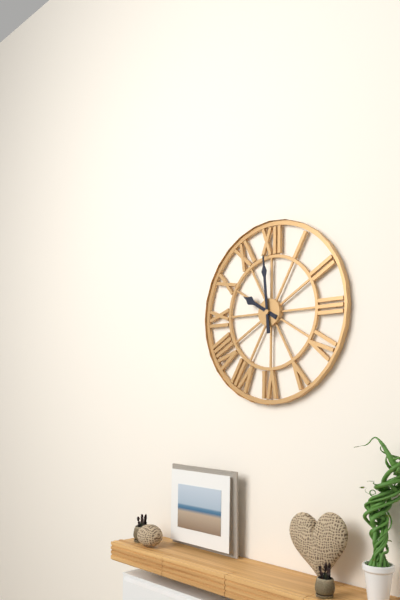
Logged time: 9,59
